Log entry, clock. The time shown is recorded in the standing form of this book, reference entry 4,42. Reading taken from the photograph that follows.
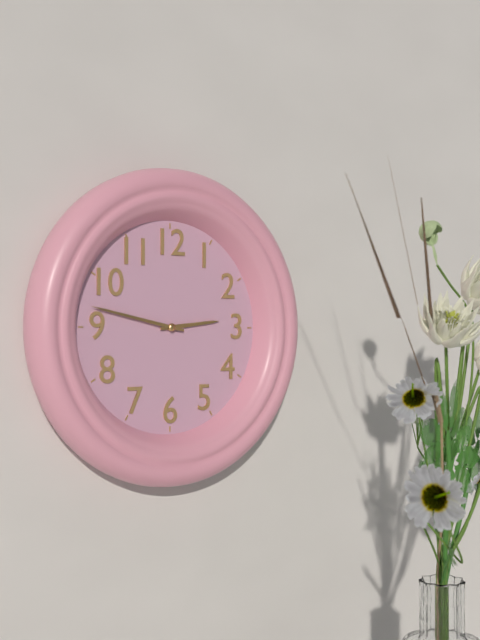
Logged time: 2,47
